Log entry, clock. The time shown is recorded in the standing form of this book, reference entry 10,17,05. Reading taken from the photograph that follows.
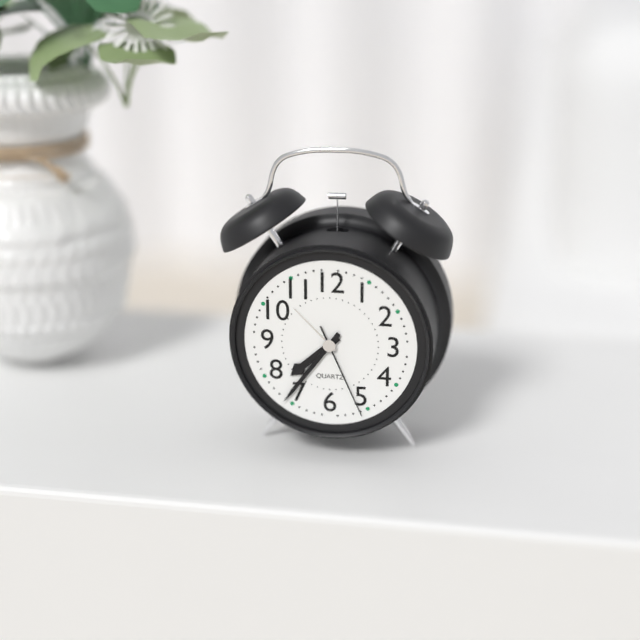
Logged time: 7,36,26
